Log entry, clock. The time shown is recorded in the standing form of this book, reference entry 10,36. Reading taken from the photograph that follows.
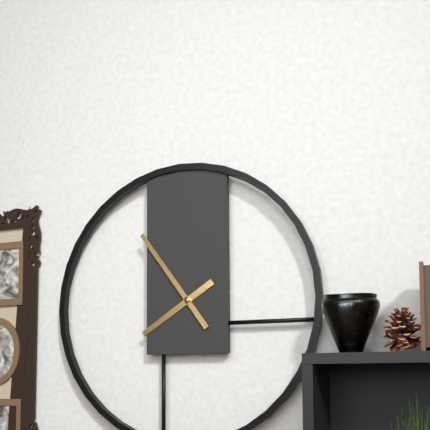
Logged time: 7,54
